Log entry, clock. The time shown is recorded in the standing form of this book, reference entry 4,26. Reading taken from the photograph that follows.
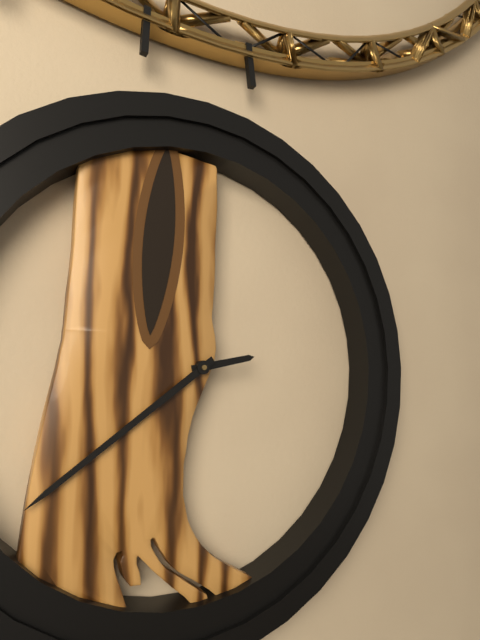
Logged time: 2,39
